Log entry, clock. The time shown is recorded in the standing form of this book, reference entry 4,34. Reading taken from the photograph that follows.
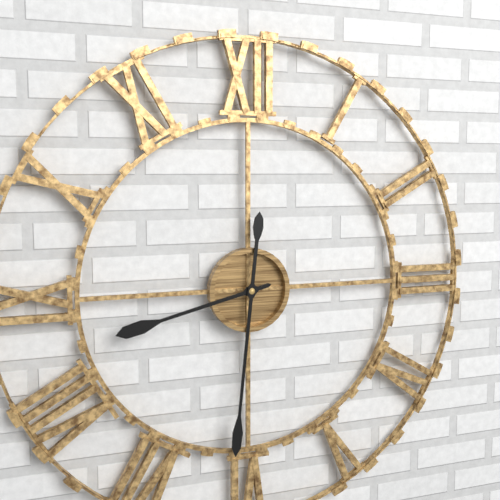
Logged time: 8,31
